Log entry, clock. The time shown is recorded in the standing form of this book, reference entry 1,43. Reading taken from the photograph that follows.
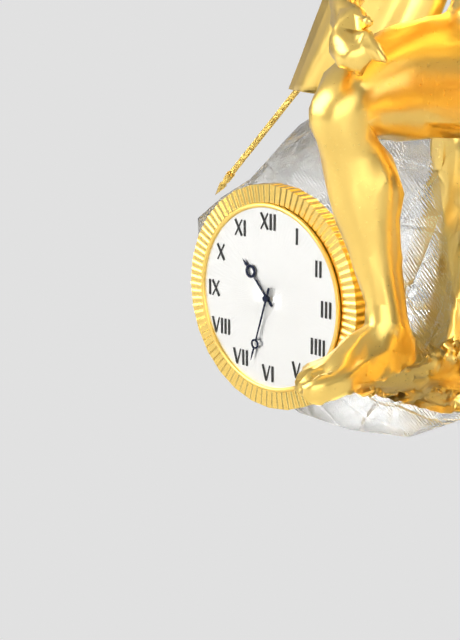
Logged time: 10,33
